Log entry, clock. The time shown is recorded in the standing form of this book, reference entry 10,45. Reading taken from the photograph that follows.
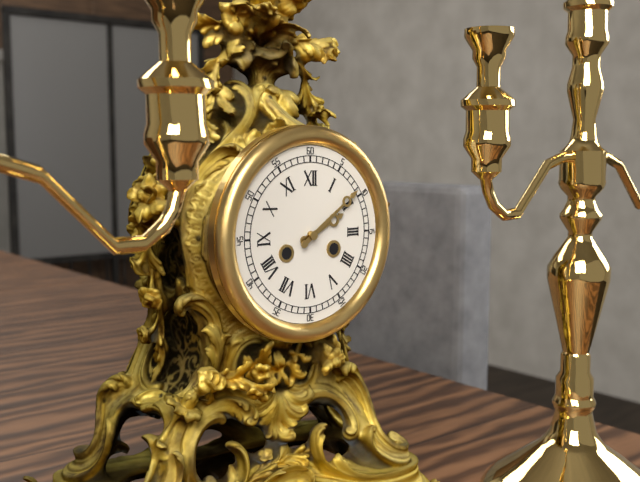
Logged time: 2,09
